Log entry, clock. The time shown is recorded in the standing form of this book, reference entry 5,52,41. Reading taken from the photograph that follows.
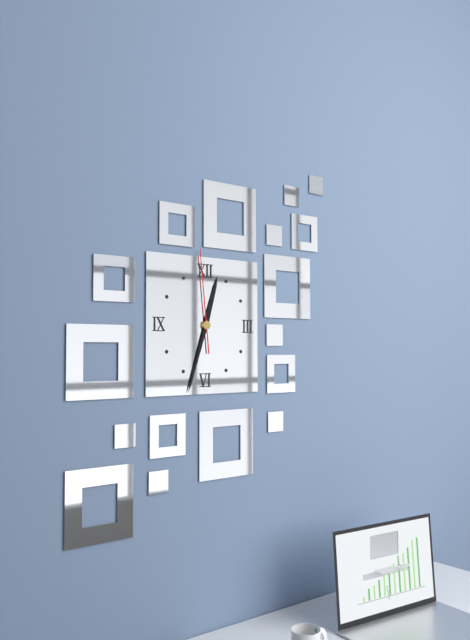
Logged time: 12,33,59
